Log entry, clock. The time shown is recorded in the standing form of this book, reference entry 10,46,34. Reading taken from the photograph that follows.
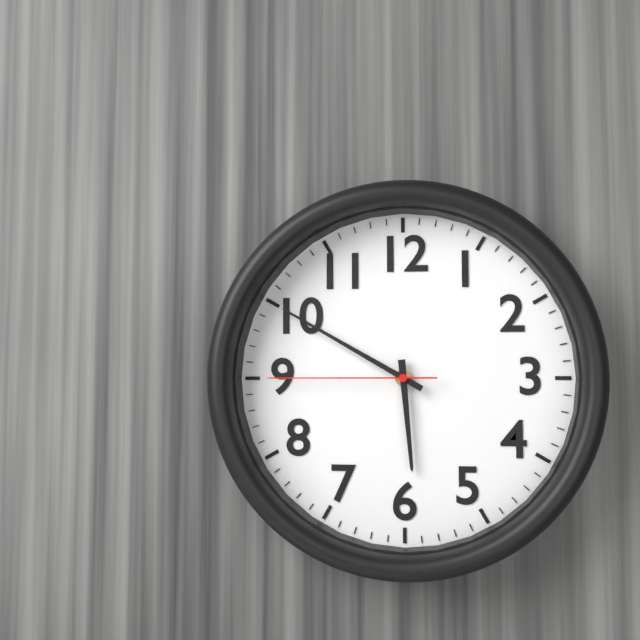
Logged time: 5,50,45
